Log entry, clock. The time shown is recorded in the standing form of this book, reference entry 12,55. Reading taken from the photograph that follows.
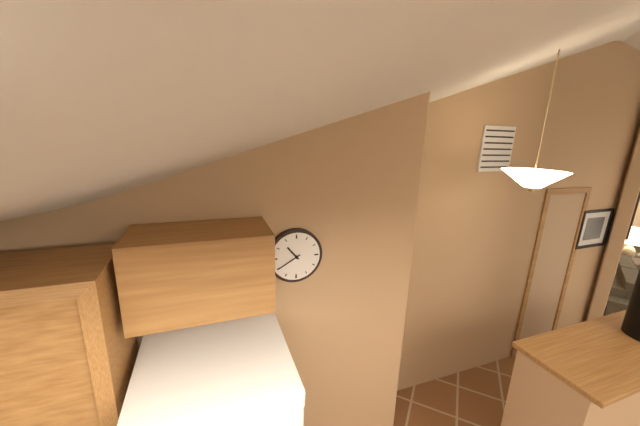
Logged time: 10,40
